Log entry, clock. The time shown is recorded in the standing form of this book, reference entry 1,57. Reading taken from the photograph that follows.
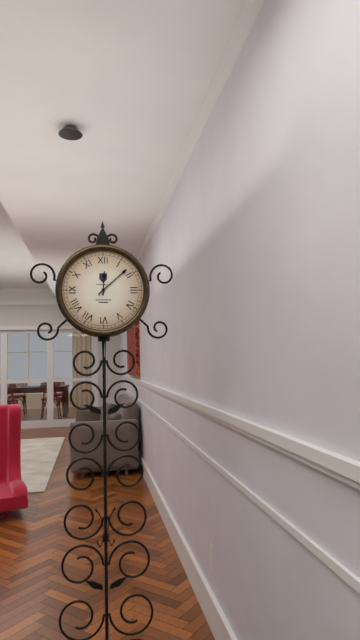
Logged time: 12,08
